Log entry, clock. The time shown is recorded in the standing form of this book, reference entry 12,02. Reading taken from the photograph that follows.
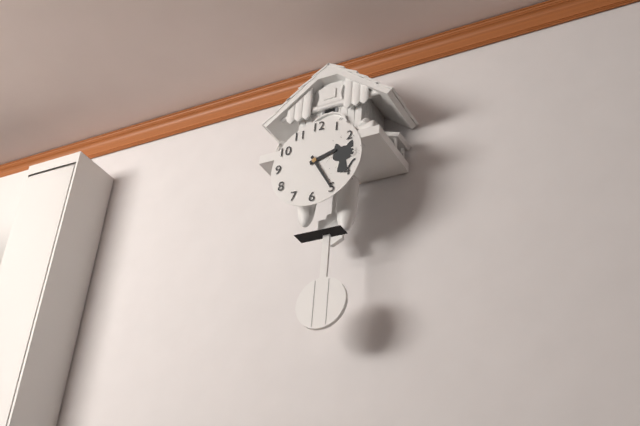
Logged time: 2,25
